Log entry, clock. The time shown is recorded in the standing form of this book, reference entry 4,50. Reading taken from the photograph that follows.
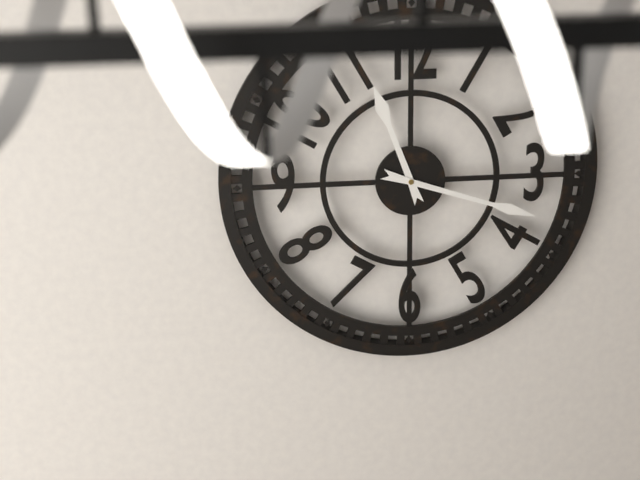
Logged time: 11,18
